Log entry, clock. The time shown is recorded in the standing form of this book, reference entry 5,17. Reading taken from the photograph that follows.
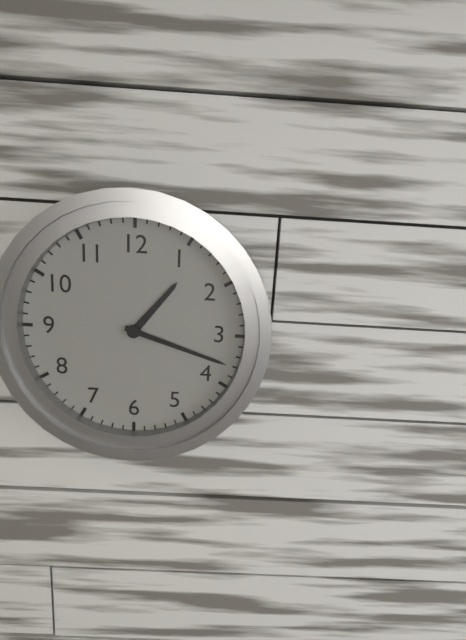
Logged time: 1,18
